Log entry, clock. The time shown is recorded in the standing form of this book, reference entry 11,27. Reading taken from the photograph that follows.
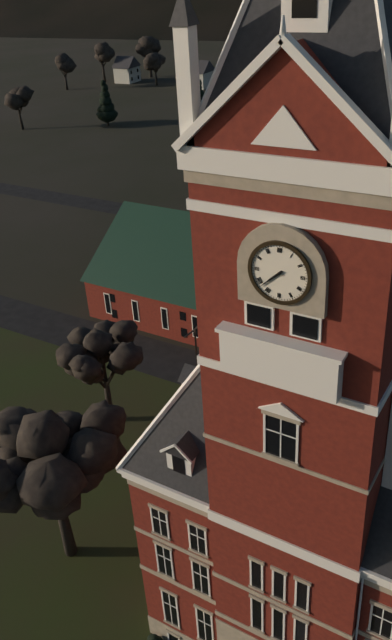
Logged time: 7,38
